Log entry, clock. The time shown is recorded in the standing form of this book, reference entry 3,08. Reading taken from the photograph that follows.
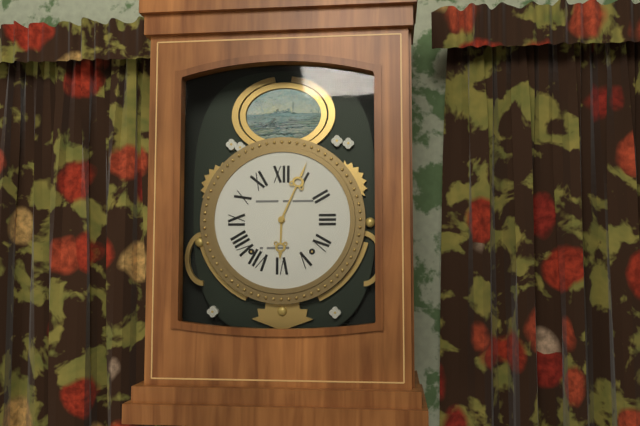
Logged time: 6,04
